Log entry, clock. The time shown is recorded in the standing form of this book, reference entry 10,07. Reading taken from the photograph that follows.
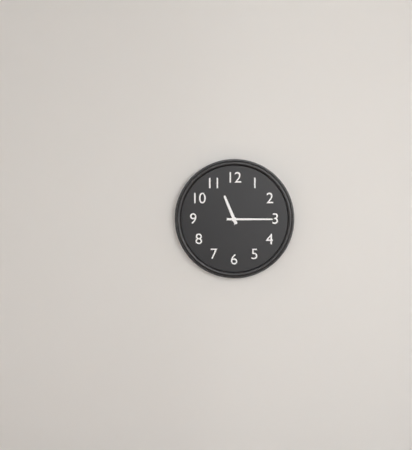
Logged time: 11,15
